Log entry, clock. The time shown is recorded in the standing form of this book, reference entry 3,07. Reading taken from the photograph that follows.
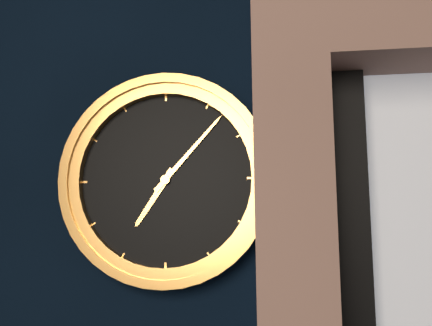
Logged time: 7,07
